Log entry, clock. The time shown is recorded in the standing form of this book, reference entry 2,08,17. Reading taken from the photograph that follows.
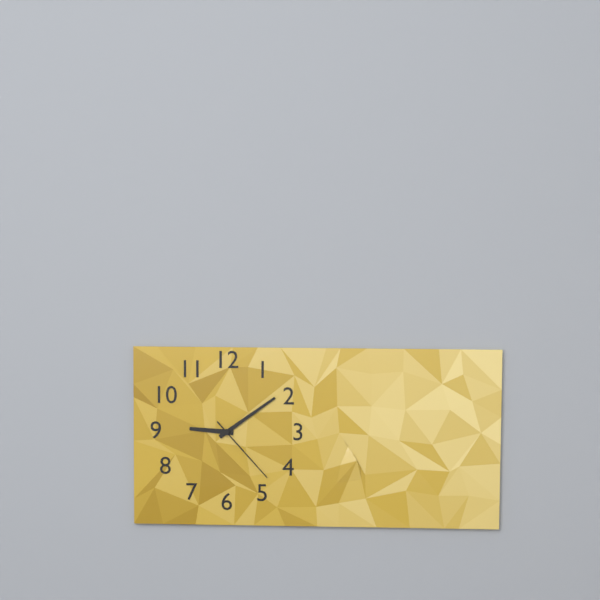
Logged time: 9,09,23
